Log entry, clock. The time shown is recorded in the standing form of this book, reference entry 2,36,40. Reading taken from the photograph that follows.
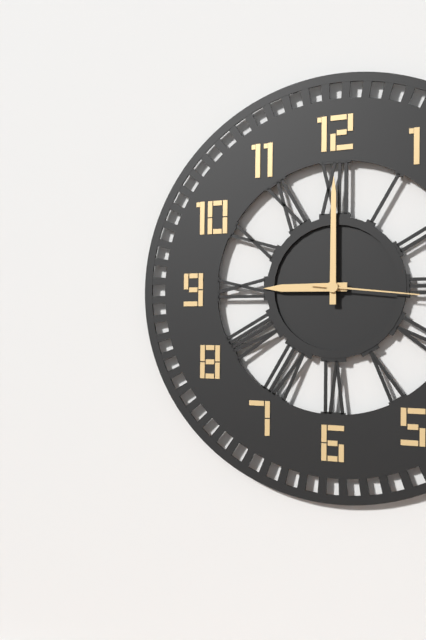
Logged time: 9,00,16
